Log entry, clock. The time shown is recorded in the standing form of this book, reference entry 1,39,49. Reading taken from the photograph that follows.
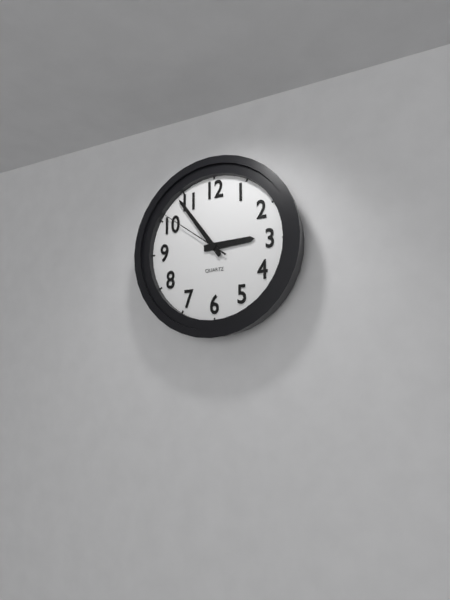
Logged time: 2,54,51
